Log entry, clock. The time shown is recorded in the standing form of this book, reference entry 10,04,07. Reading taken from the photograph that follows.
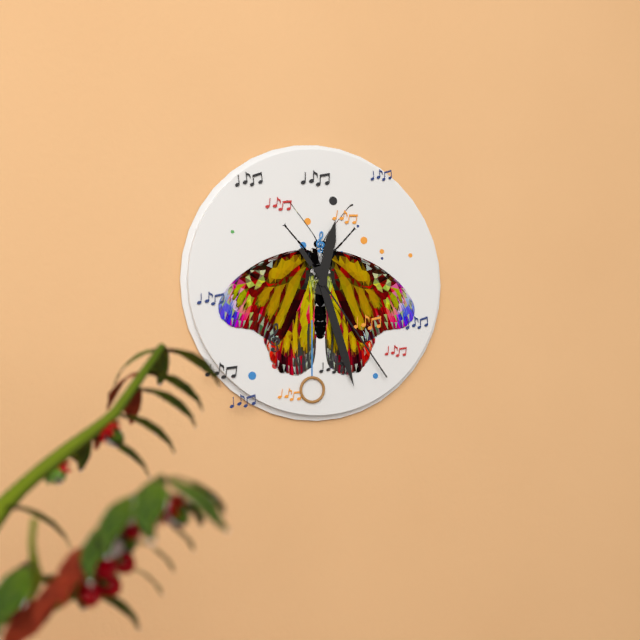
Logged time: 12,27,24
